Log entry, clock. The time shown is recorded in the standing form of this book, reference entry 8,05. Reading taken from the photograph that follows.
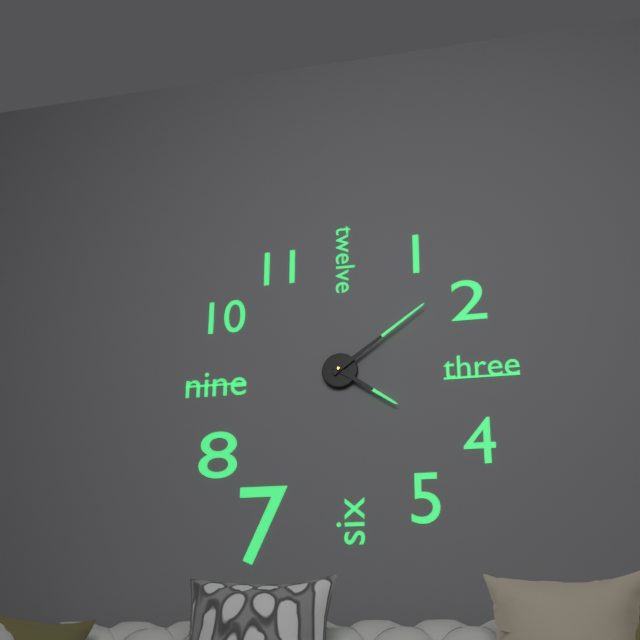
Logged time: 4,09
